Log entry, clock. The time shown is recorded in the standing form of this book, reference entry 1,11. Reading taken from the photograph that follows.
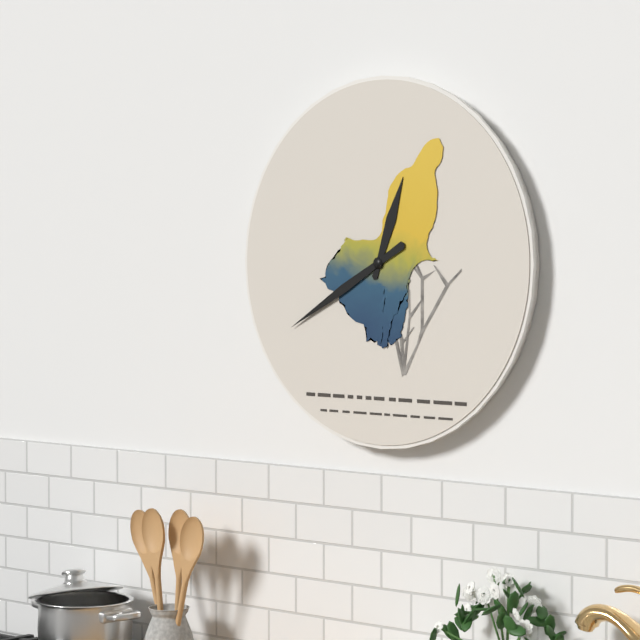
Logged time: 12,40
